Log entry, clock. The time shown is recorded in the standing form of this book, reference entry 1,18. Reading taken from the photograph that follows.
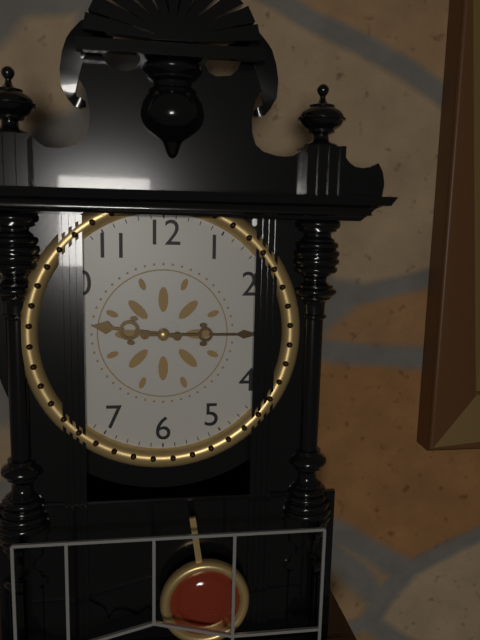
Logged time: 9,15
